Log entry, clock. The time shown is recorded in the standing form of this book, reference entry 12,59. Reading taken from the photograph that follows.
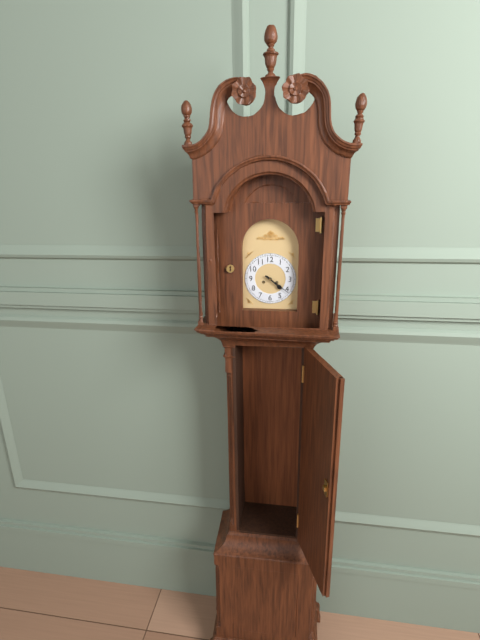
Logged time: 4,21
